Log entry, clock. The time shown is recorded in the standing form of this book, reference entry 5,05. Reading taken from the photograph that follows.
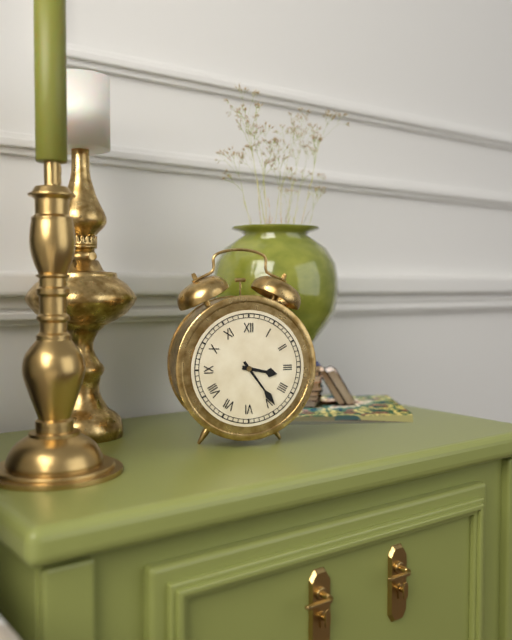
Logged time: 3,24
